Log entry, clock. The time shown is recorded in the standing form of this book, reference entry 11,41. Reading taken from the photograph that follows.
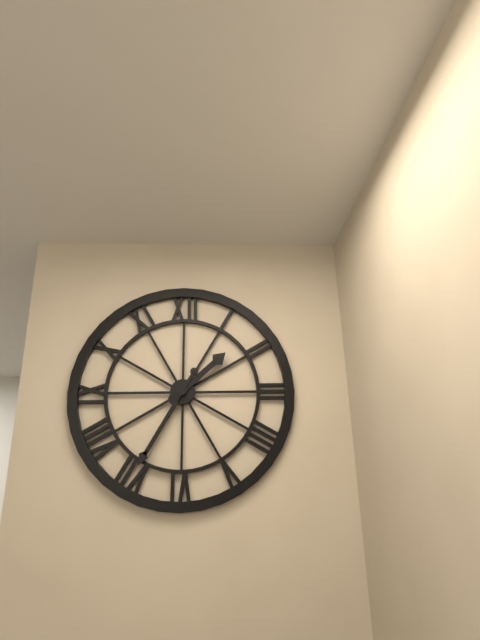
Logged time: 1,35
